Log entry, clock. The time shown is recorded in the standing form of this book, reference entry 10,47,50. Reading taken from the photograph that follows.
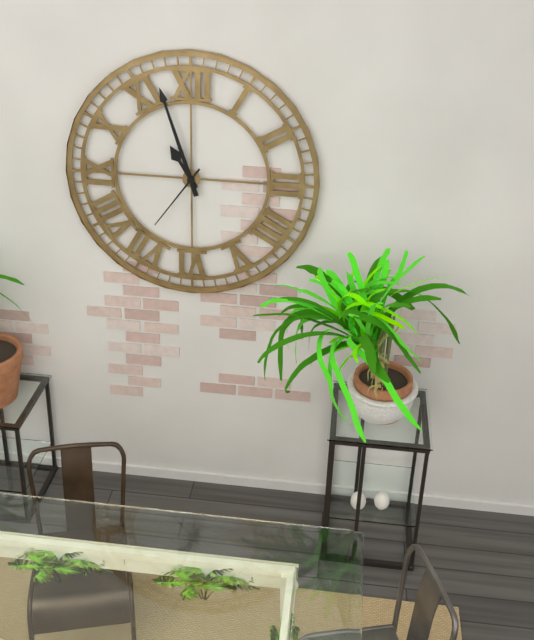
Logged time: 10,57,36
